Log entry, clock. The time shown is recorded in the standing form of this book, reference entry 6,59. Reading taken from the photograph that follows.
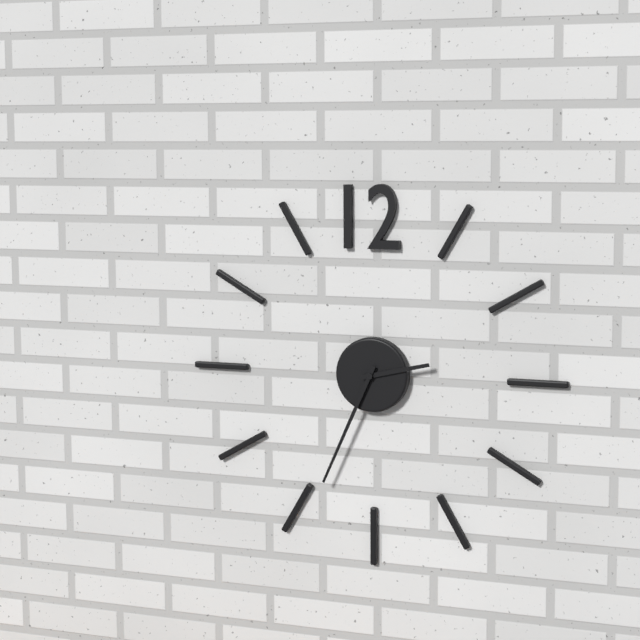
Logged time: 2,34
